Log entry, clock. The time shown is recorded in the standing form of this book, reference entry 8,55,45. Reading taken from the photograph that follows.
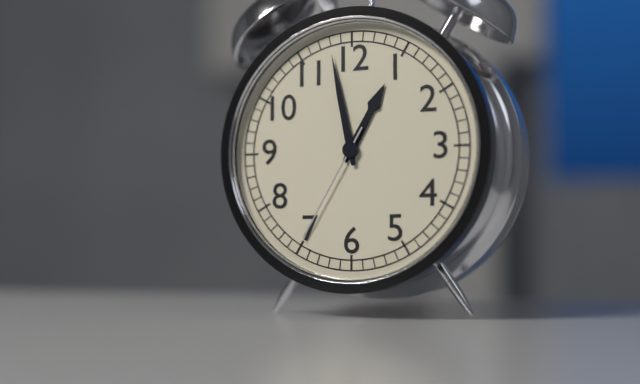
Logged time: 12,58,35
